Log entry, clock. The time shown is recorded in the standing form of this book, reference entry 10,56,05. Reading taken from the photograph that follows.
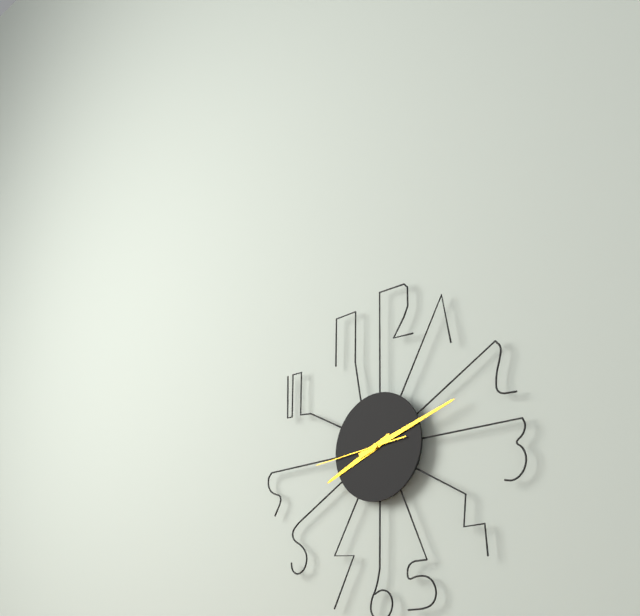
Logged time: 8,12,44
